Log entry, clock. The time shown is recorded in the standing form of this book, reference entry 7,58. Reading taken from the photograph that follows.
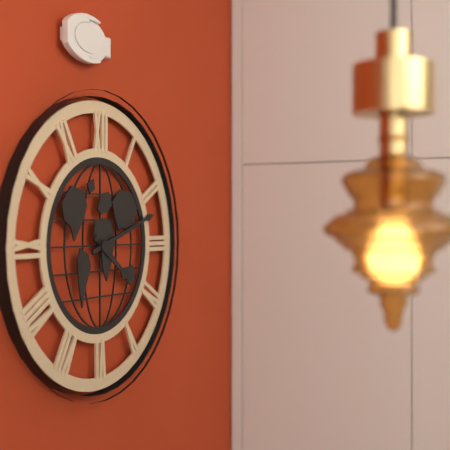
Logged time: 4,12
